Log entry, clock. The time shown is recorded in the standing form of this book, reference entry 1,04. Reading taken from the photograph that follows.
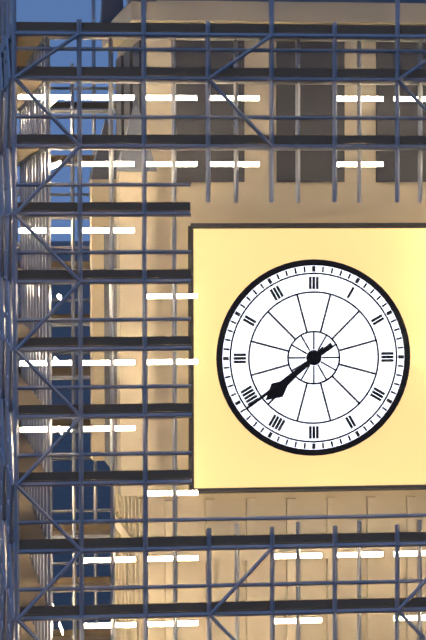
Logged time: 7,39
